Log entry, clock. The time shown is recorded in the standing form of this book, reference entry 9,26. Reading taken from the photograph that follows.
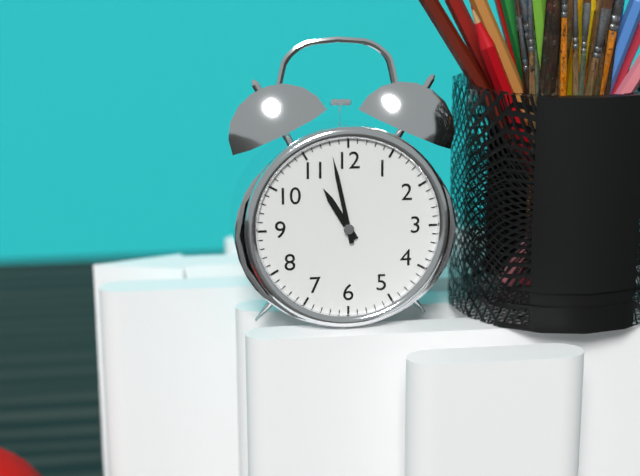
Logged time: 10,58
